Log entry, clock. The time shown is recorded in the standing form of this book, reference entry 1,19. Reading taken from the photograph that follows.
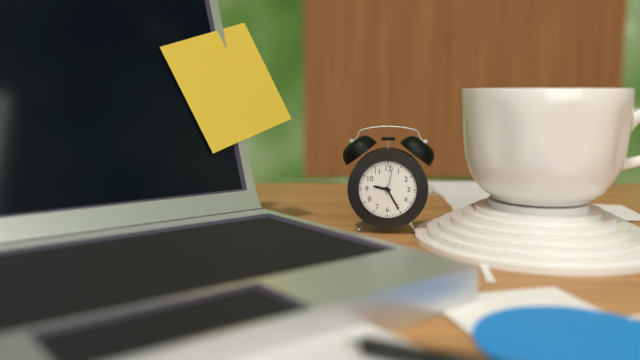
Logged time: 9,25
